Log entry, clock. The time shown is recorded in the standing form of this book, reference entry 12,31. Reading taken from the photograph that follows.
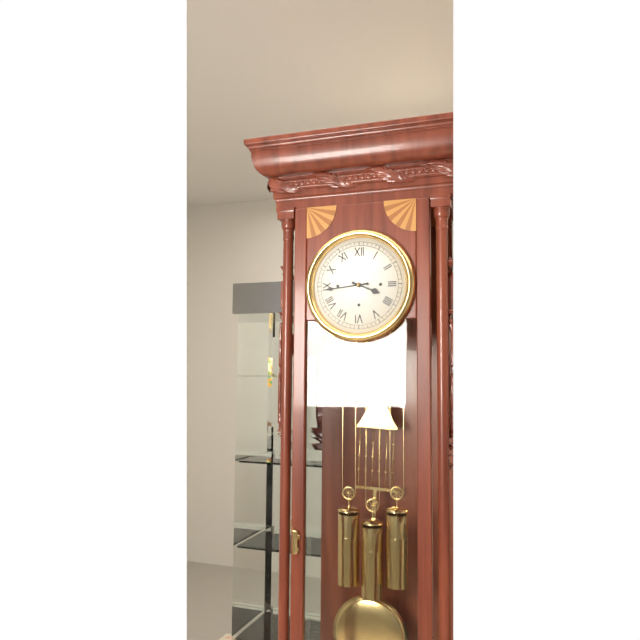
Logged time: 3,44
